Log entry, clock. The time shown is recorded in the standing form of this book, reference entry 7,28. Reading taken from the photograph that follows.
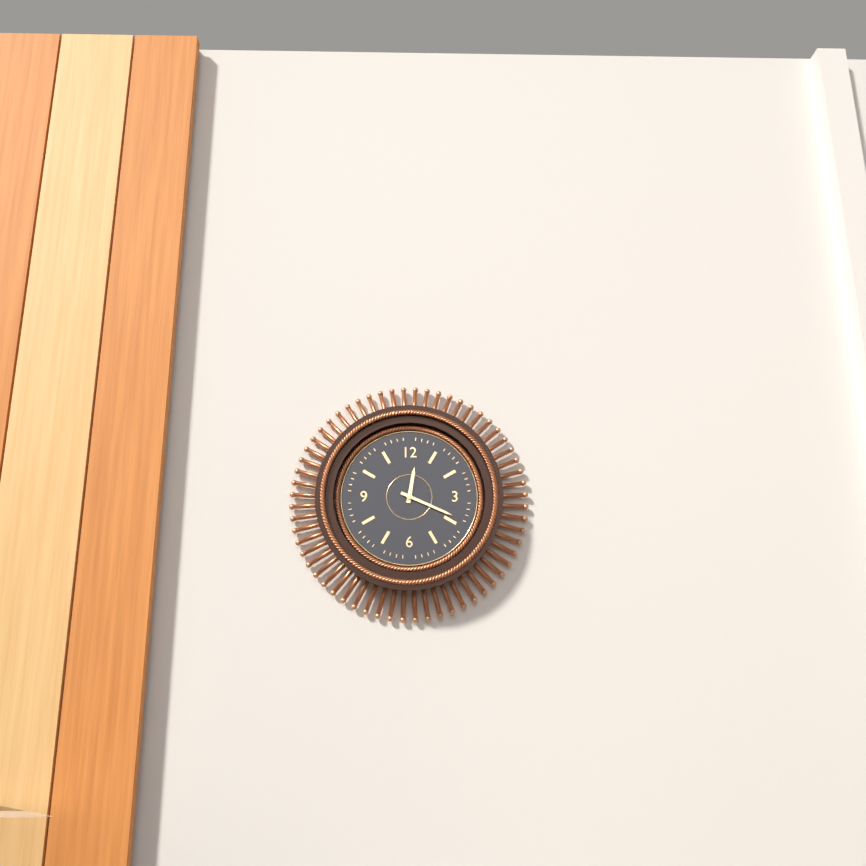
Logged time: 12,19
